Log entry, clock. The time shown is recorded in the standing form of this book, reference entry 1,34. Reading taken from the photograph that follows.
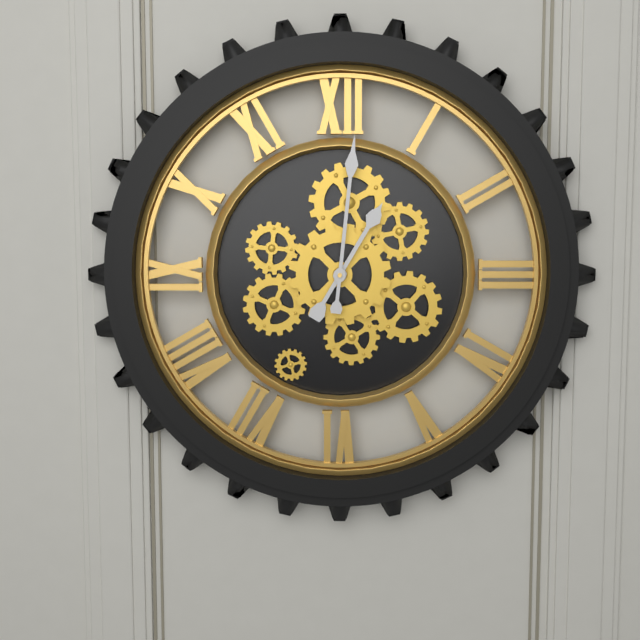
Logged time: 1,01
